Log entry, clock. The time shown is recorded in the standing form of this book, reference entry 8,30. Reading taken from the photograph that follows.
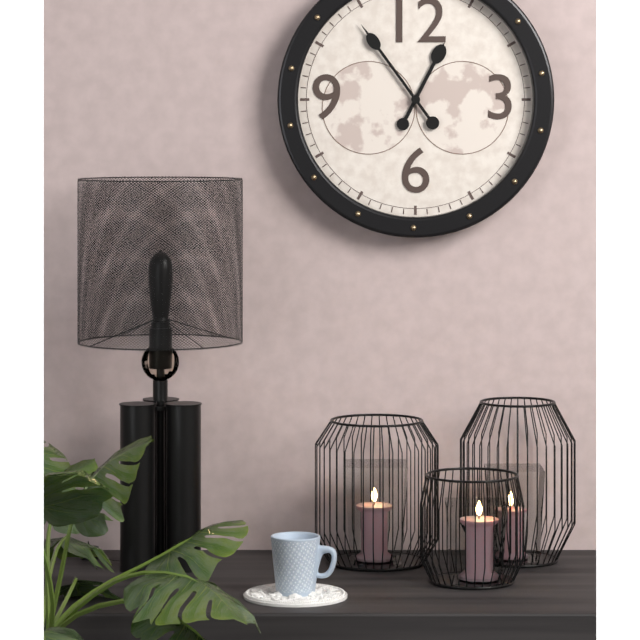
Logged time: 12,54
